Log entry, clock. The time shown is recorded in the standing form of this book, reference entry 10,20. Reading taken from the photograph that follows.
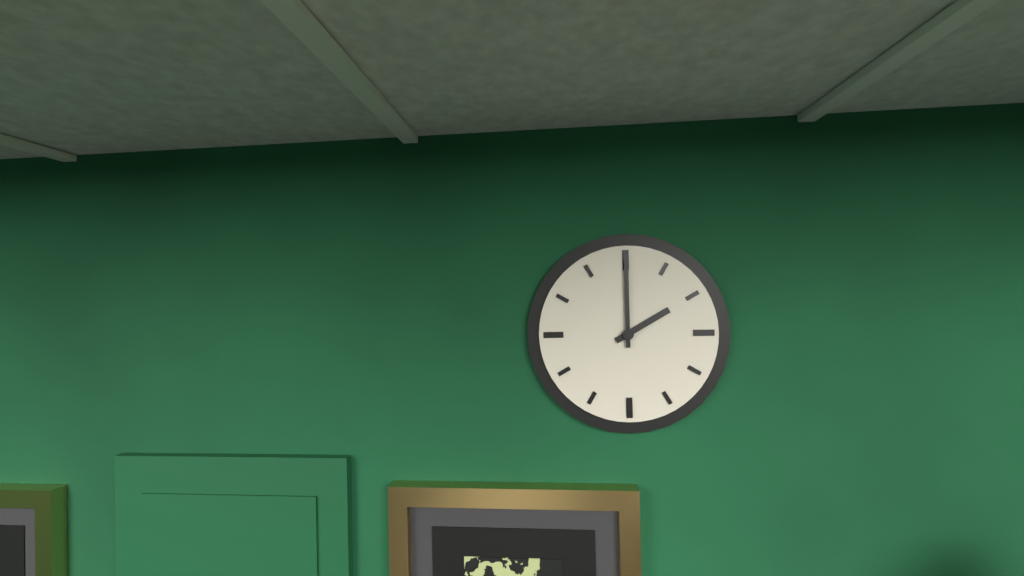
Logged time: 2,00
